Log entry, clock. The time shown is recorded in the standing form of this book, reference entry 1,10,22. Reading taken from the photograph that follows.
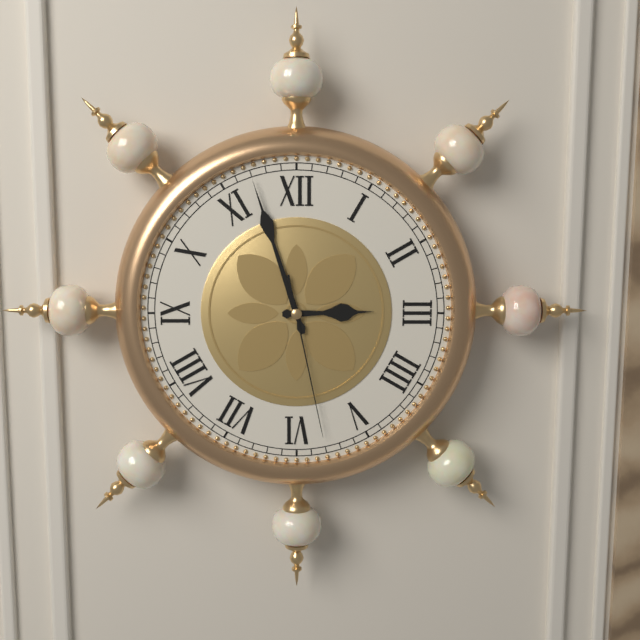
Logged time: 2,57,28
